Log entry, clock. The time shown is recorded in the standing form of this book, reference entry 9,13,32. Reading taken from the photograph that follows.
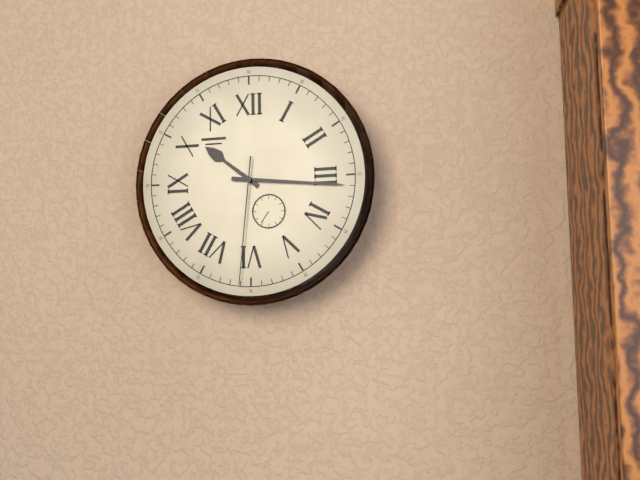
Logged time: 10,16,31
